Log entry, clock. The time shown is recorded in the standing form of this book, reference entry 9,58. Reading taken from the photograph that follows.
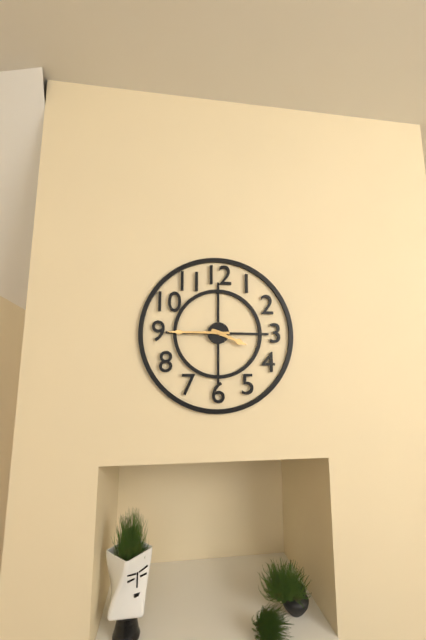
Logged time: 3,45
